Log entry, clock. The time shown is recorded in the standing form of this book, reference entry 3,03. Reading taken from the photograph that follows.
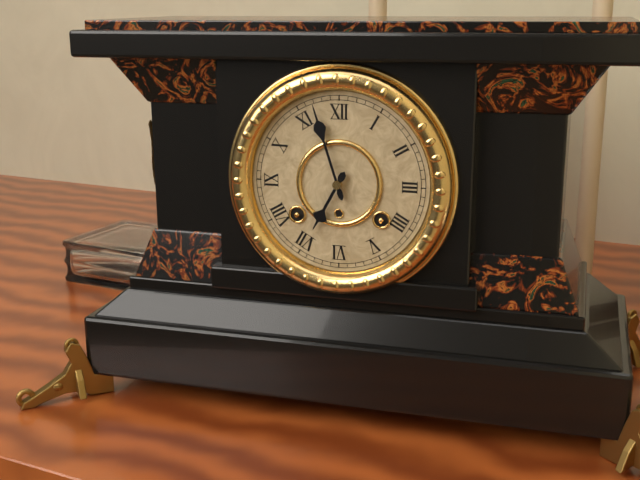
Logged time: 6,57
